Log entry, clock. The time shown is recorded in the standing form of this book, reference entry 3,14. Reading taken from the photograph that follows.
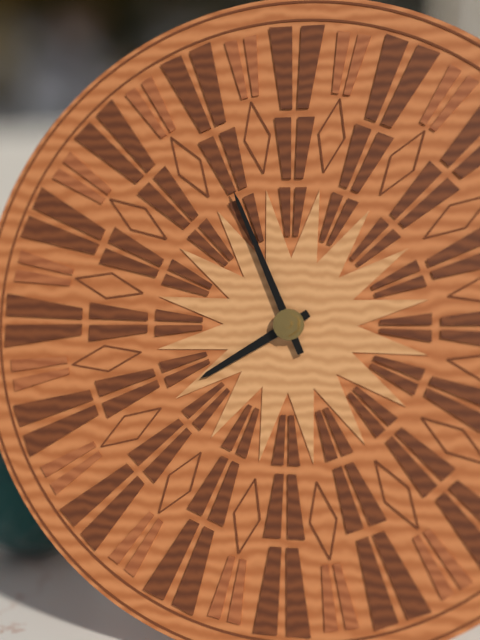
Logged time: 7,56
